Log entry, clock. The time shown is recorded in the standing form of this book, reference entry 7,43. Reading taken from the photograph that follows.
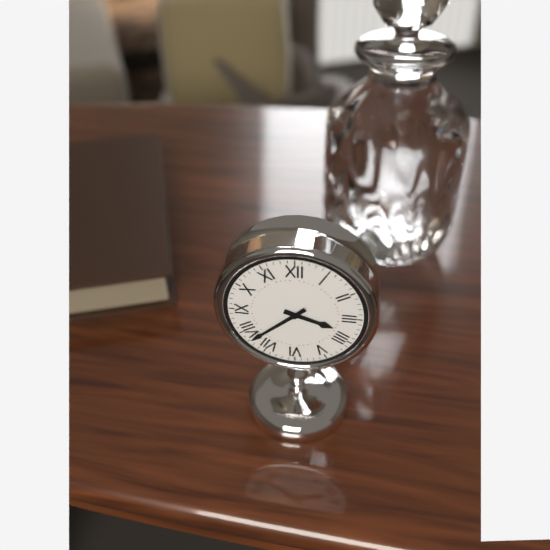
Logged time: 3,38
